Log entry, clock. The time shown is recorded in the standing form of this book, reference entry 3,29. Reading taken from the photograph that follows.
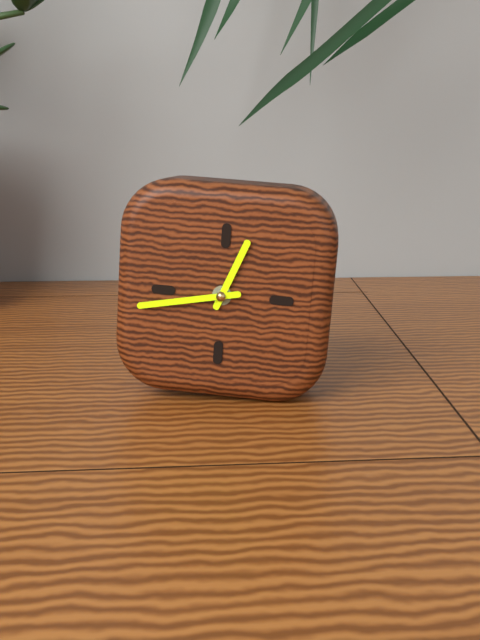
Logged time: 12,43
